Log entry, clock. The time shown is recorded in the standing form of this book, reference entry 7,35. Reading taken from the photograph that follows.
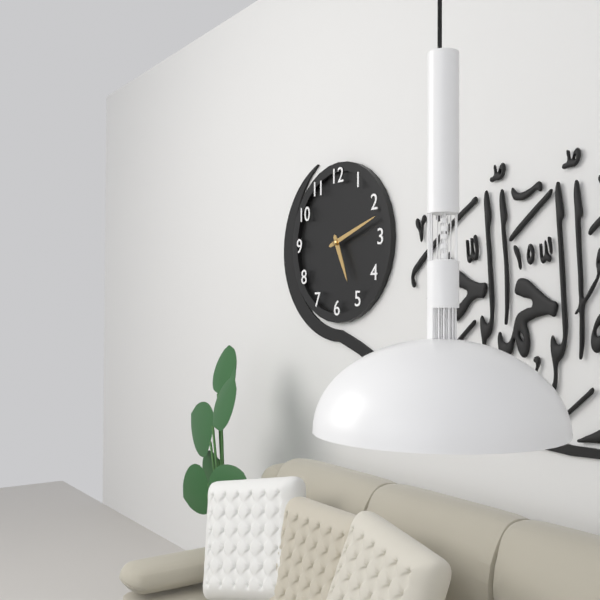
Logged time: 5,12
